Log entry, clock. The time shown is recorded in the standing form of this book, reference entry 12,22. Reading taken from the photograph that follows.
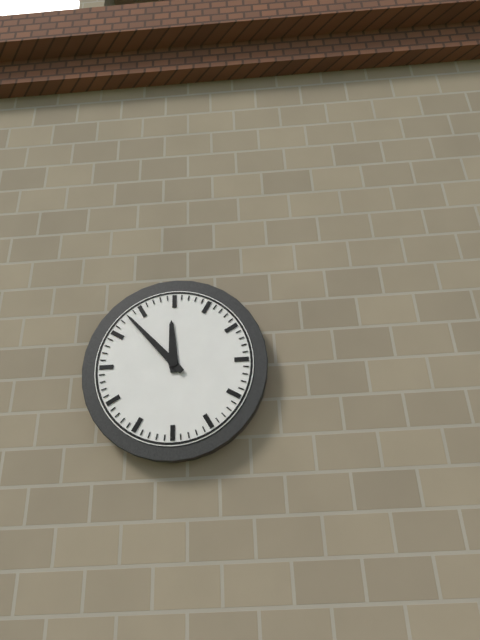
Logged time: 11,53
